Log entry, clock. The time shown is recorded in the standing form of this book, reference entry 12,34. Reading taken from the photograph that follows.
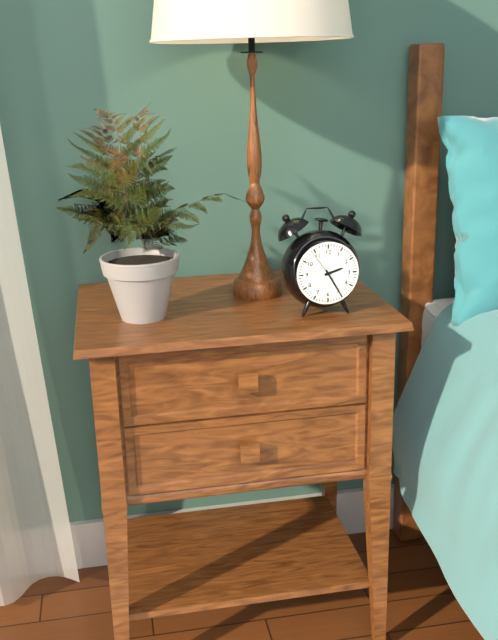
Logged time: 2,25
